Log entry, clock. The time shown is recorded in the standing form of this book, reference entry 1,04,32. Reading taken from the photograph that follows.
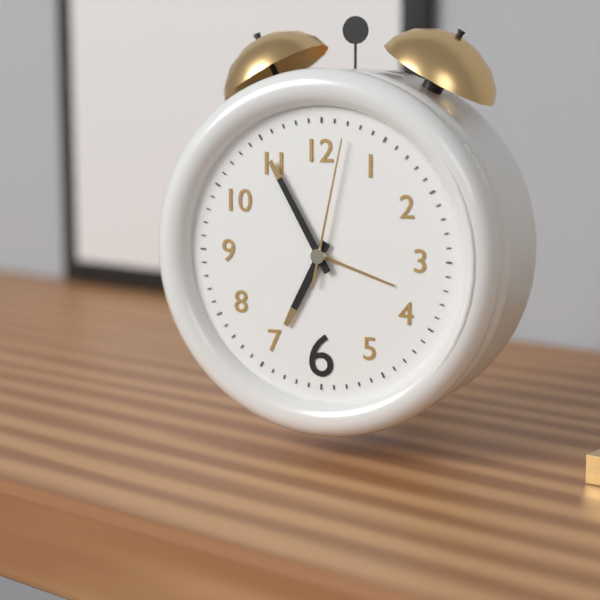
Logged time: 6,55,02
